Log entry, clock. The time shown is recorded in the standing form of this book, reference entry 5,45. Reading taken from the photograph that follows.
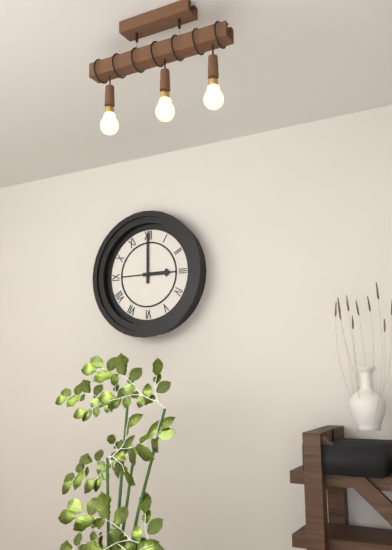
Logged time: 3,00
